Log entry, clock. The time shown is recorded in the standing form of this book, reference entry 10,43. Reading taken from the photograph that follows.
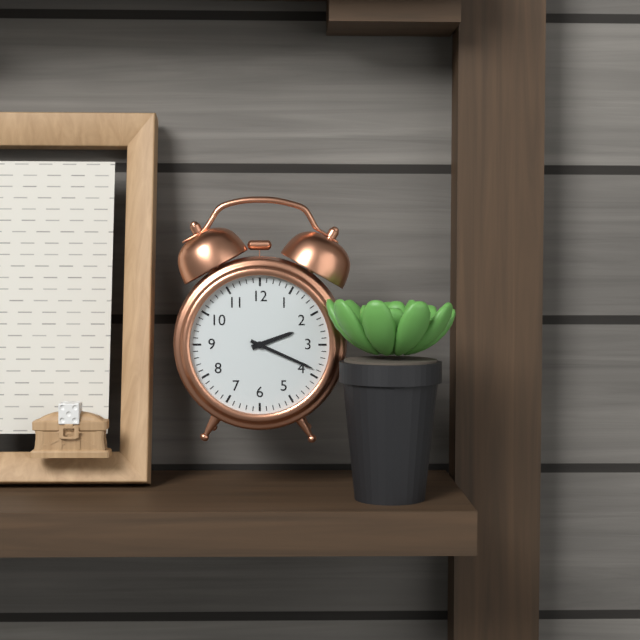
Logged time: 2,19
